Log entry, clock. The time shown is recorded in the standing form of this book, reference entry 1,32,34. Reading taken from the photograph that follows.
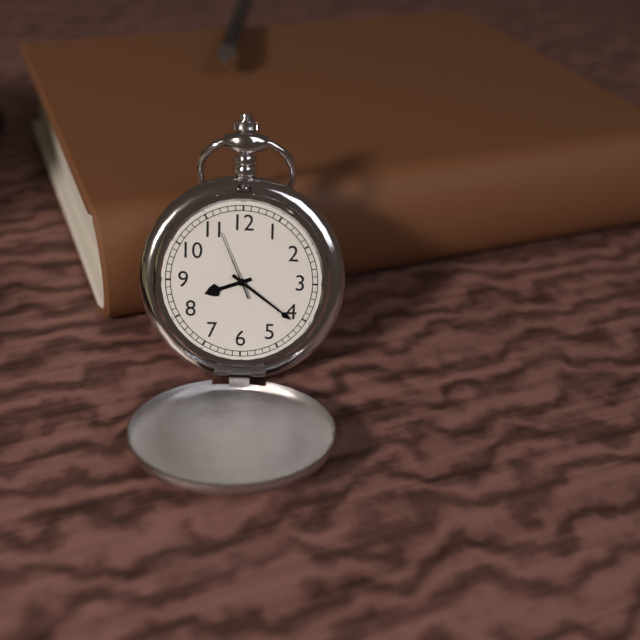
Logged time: 8,21,56
